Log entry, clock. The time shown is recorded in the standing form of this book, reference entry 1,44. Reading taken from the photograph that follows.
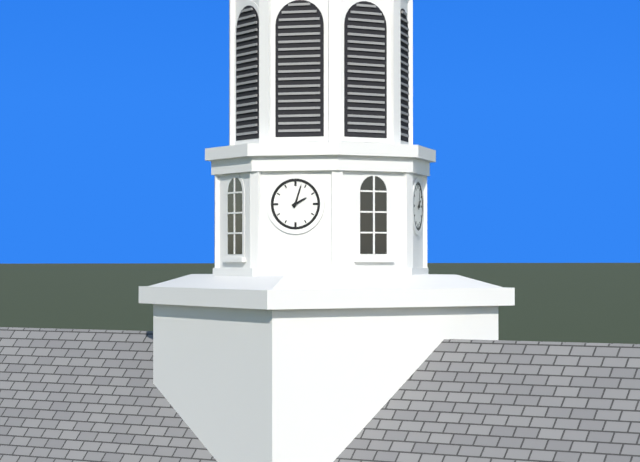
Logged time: 2,03
